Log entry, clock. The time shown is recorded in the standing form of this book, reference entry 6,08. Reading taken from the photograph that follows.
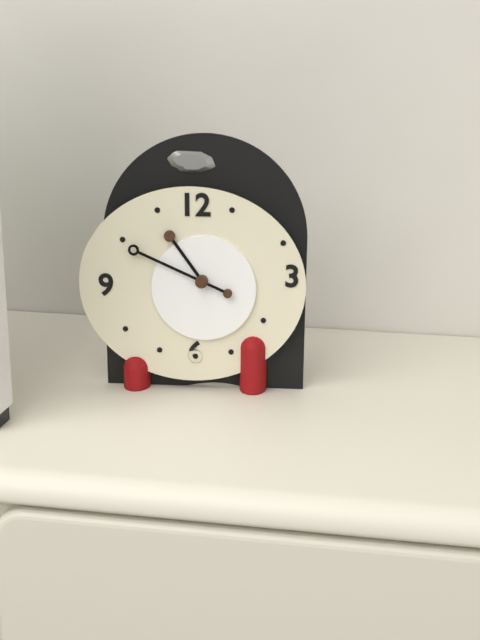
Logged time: 10,49
